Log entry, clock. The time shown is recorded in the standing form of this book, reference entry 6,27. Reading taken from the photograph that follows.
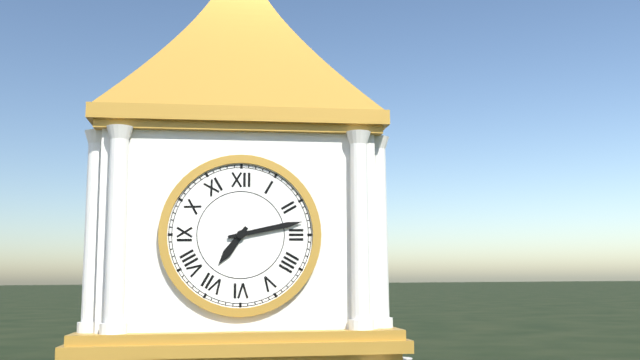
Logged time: 7,13
